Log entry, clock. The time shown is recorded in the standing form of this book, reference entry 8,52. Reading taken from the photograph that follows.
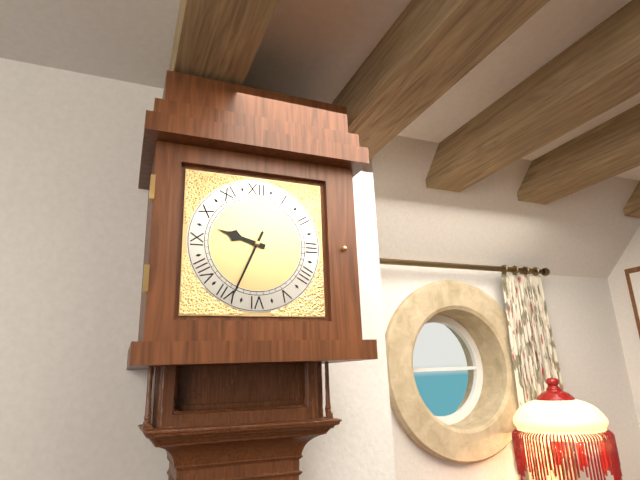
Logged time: 9,34
